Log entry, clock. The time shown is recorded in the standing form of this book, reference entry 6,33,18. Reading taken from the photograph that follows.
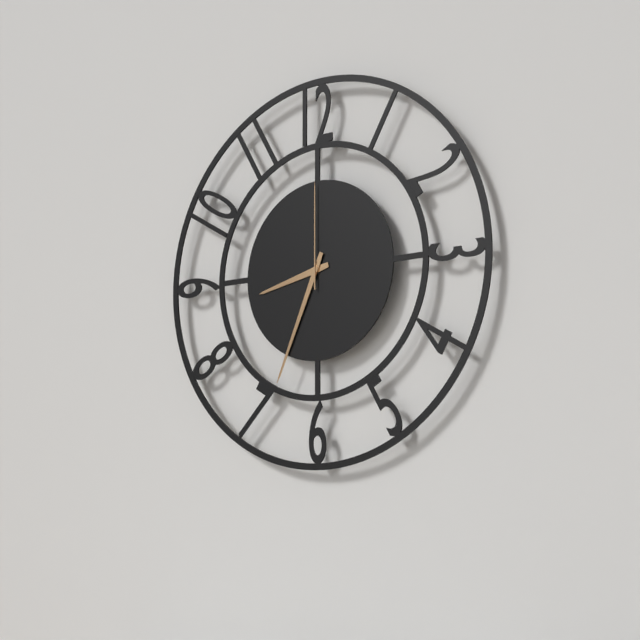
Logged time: 8,34,00
